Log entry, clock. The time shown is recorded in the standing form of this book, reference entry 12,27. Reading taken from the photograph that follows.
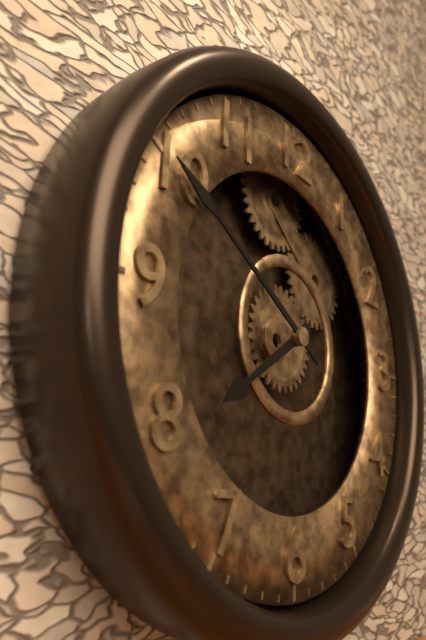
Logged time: 7,50
